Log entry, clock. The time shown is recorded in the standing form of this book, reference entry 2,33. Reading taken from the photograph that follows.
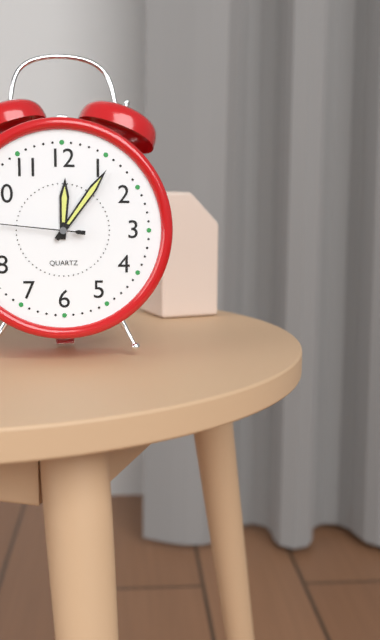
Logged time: 12,06
